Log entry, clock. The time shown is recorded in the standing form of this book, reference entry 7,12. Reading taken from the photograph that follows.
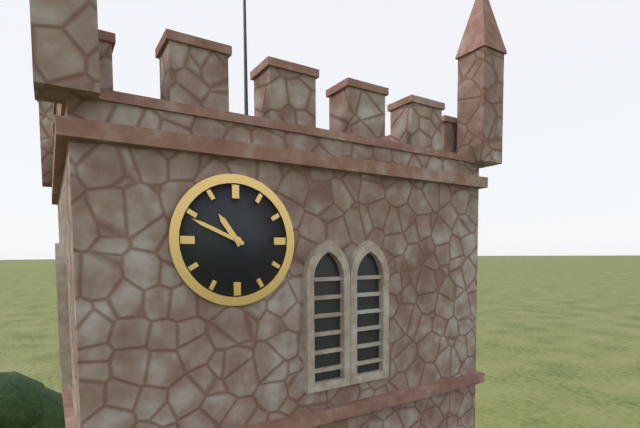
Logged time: 10,49
